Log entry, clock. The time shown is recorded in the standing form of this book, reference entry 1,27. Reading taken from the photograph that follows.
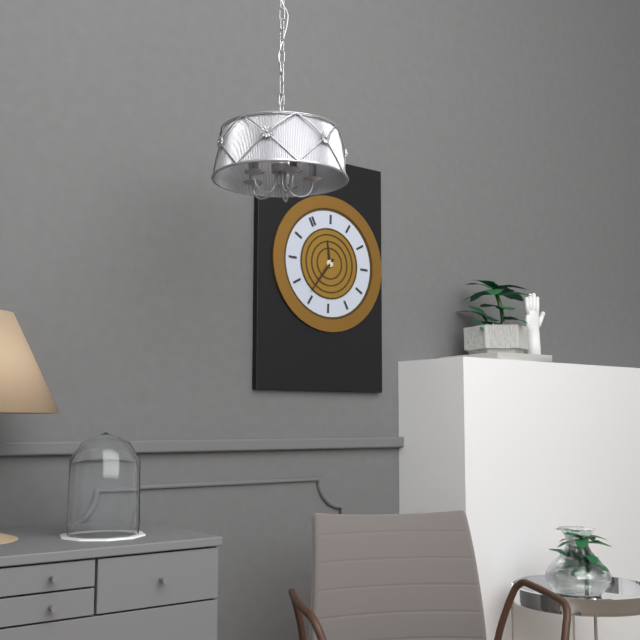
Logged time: 12,41
